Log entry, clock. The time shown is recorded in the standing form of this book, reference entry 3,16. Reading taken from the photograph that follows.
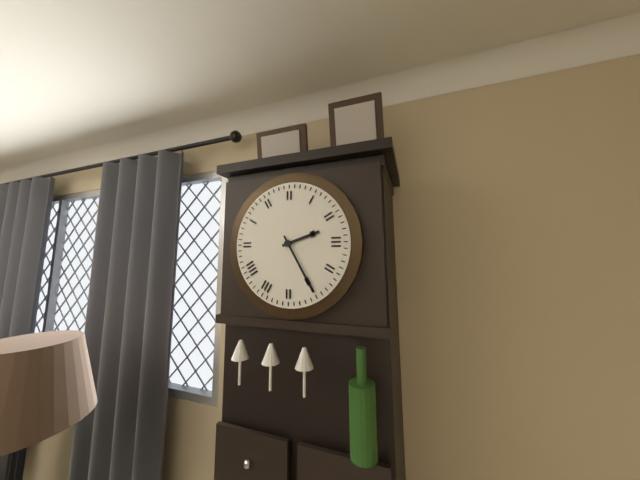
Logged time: 2,25
